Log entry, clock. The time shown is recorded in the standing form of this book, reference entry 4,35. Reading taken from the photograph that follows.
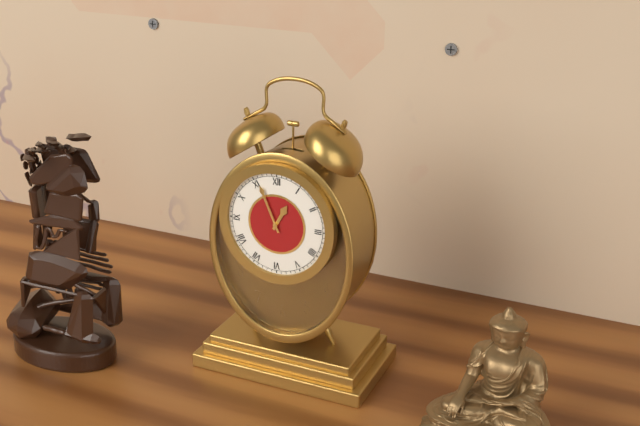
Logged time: 12,56
